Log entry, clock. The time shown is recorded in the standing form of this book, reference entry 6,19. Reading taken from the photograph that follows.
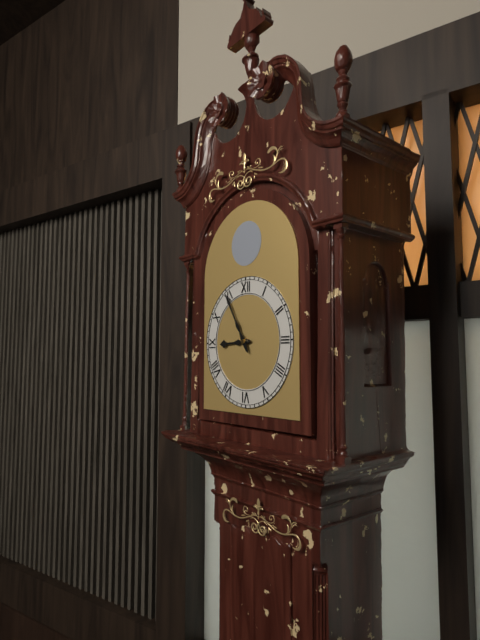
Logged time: 8,55
